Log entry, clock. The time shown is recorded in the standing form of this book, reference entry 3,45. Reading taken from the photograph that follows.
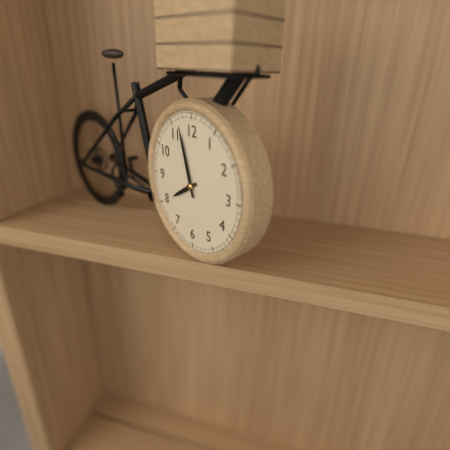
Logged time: 7,57
